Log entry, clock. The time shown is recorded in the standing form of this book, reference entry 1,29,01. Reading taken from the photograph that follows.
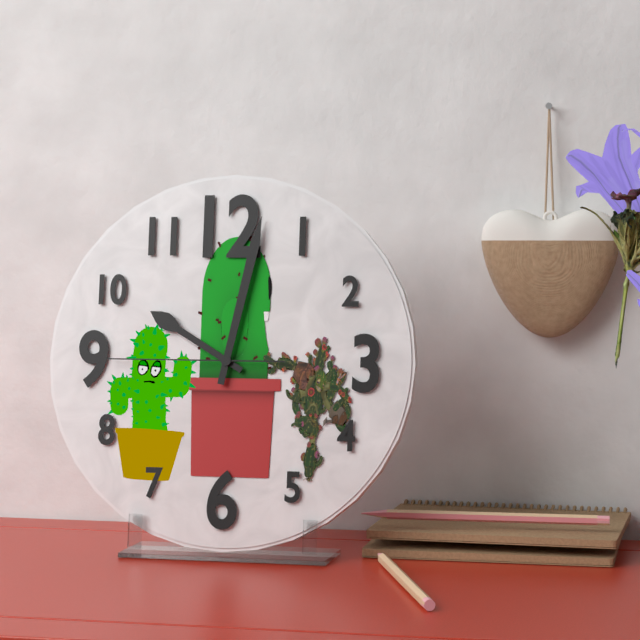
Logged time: 10,02,45
